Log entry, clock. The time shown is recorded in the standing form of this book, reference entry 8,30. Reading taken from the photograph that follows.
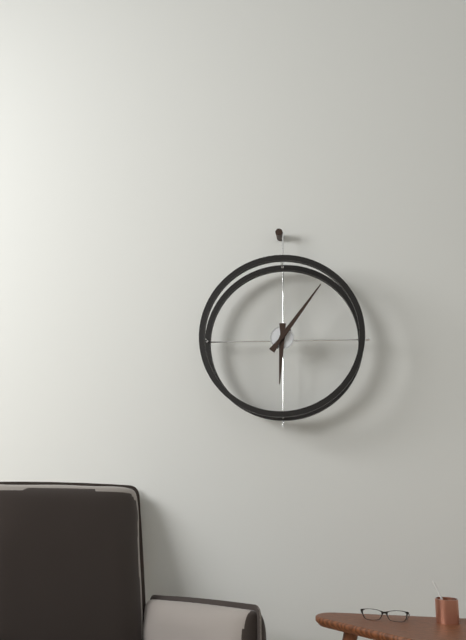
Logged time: 6,06
